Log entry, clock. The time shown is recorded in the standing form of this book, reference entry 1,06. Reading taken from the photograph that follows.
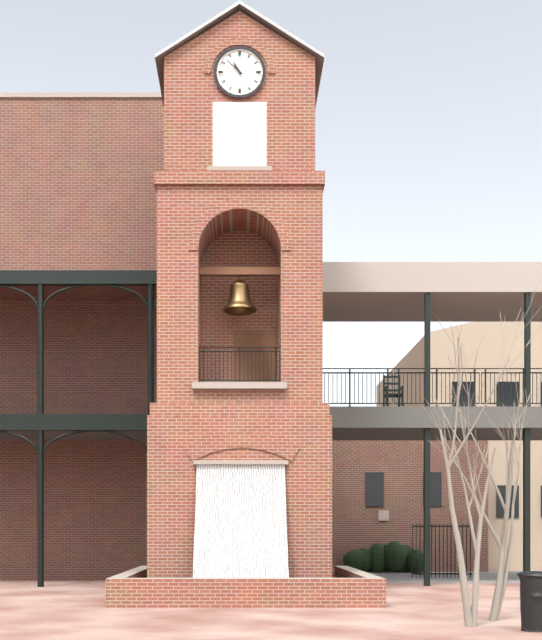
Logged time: 10,52
